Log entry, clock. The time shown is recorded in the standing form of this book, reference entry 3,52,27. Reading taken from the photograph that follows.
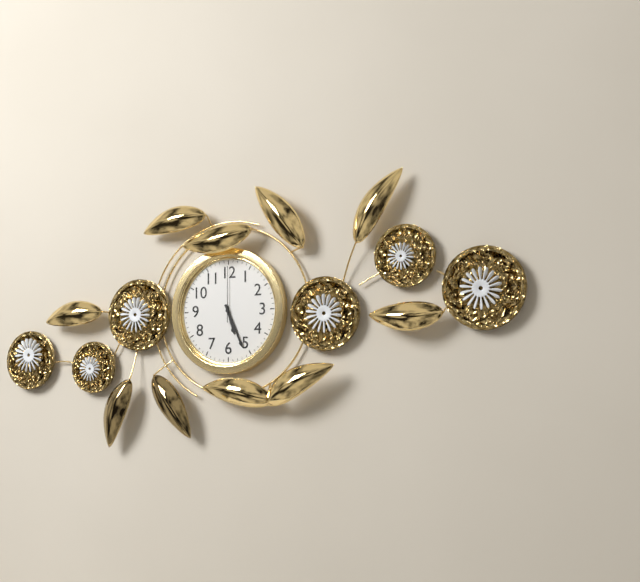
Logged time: 5,26,00
